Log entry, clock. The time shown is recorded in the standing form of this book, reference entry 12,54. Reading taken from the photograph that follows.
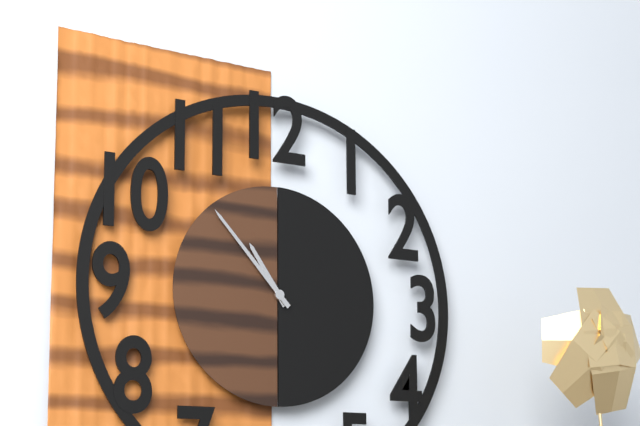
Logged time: 10,53
